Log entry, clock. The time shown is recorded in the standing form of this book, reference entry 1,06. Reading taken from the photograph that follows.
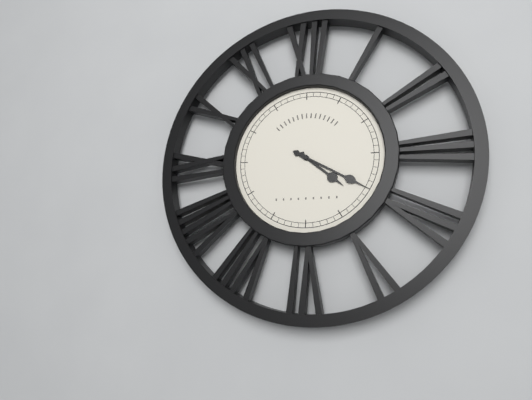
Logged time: 4,20
